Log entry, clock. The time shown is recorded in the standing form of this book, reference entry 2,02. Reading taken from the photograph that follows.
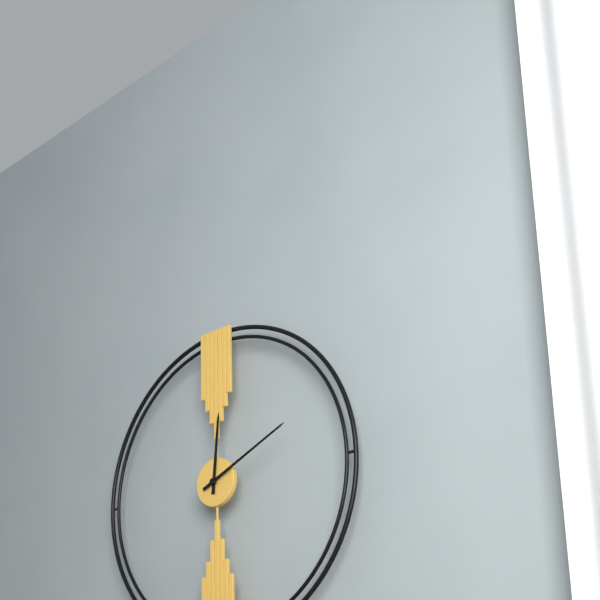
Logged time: 12,11
